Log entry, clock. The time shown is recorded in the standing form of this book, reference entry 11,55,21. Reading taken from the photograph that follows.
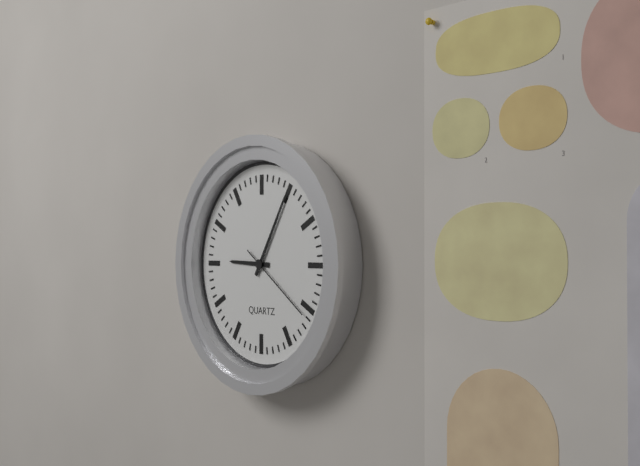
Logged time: 9,05,21
